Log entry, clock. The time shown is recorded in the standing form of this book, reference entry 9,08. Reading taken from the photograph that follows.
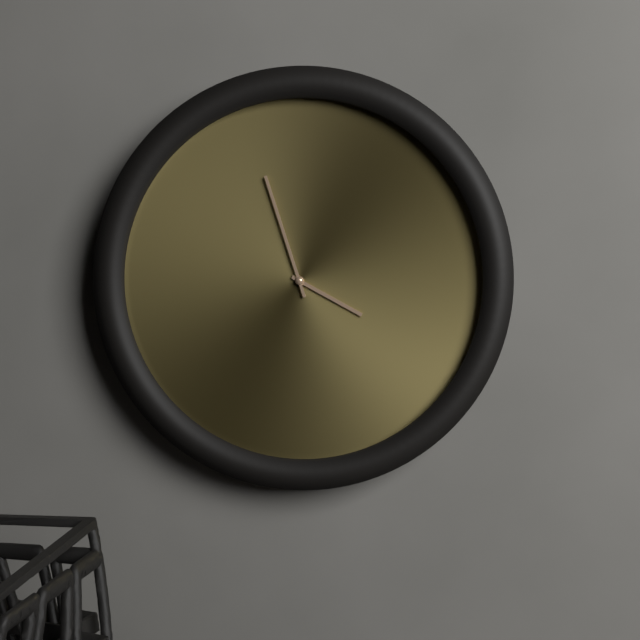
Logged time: 3,57
